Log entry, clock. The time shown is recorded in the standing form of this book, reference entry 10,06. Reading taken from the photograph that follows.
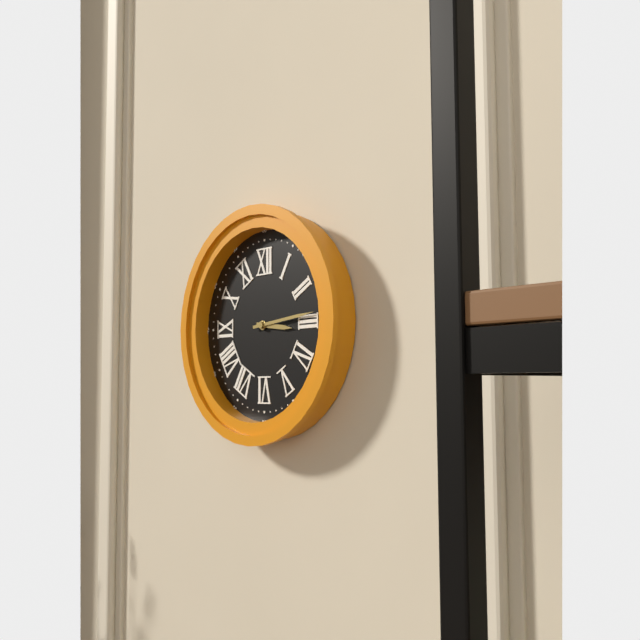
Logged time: 3,14
